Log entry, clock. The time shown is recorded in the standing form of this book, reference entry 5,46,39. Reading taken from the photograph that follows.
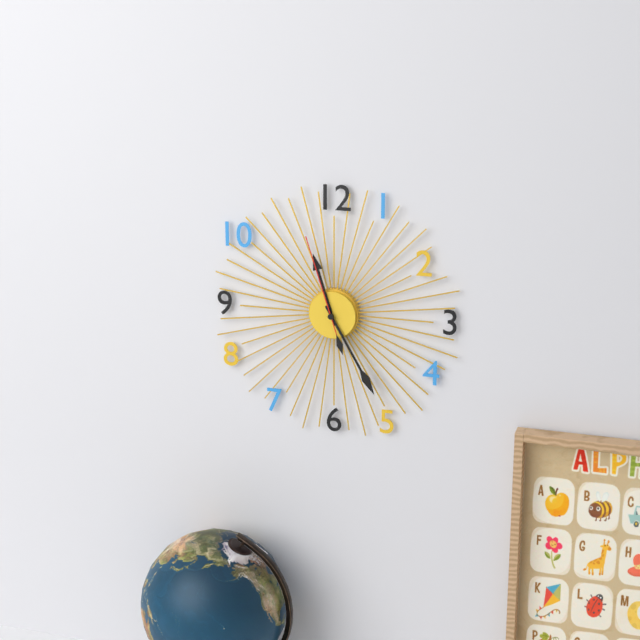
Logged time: 11,25,57
